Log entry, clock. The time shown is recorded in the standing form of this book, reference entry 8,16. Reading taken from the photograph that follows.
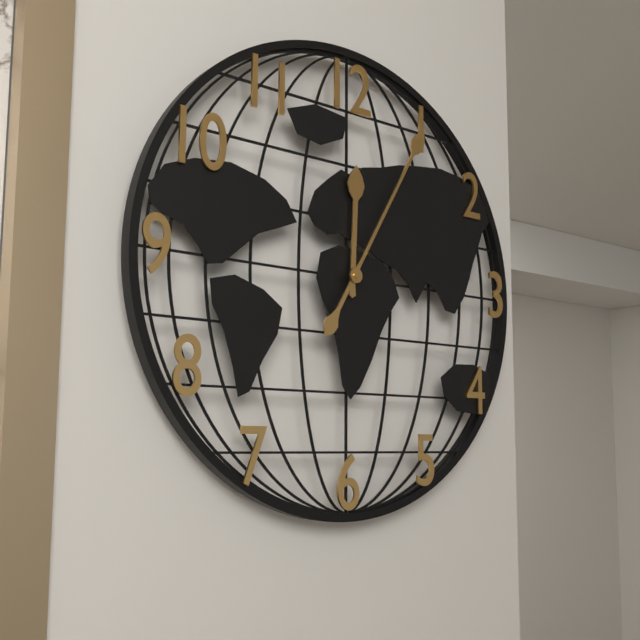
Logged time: 12,05
